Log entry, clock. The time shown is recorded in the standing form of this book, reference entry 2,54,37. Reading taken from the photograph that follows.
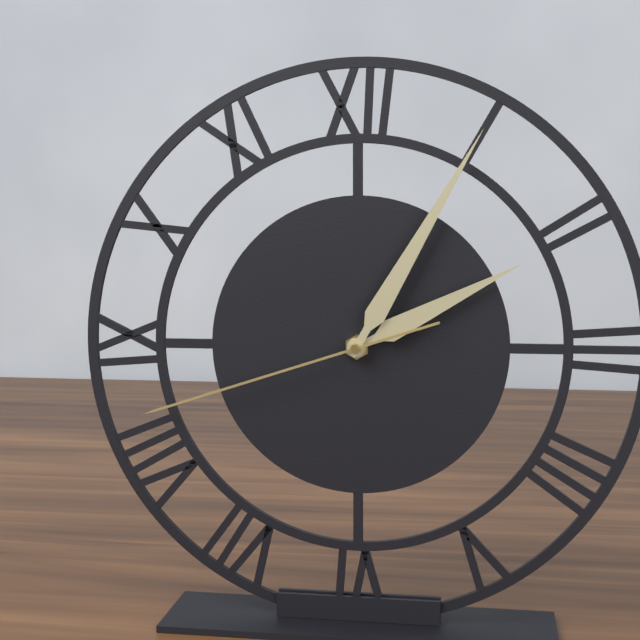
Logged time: 2,05,42
